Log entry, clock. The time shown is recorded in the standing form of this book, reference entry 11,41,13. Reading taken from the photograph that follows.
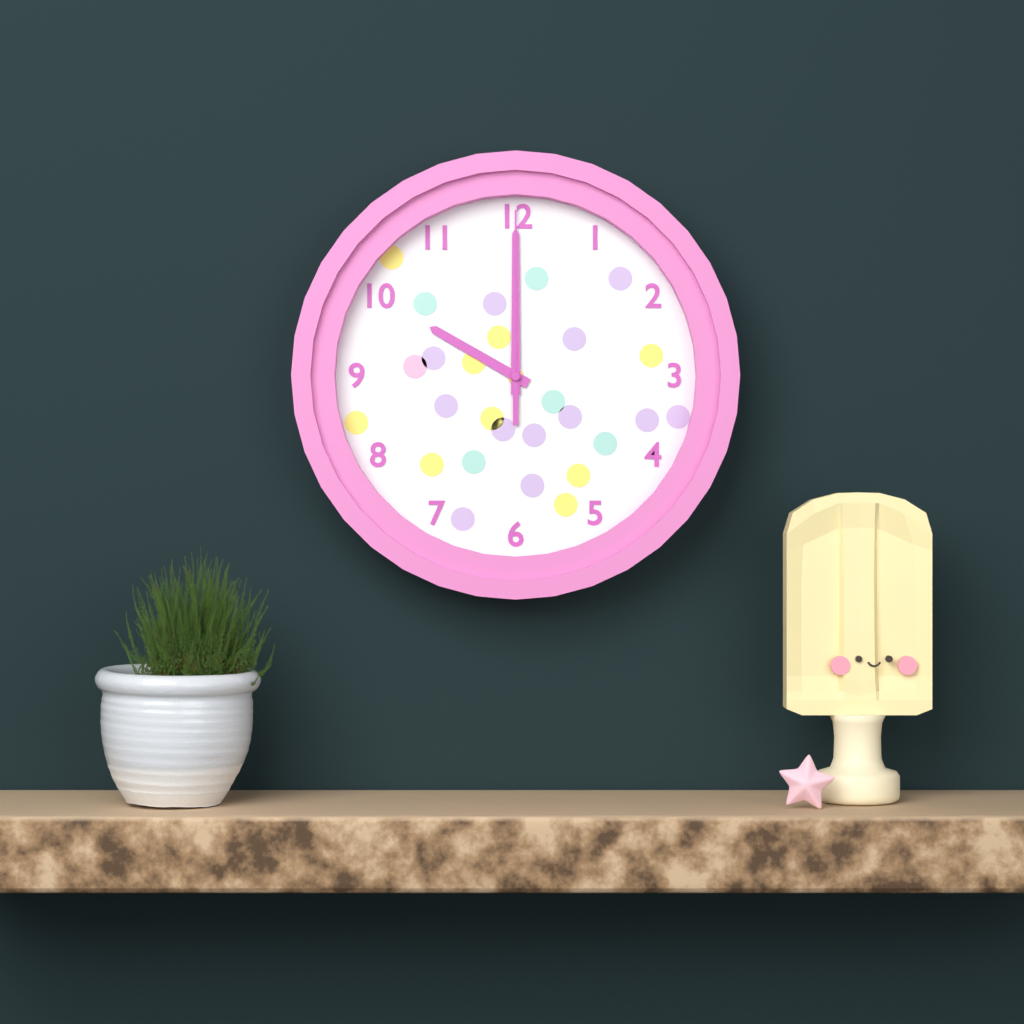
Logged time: 10,00,00
